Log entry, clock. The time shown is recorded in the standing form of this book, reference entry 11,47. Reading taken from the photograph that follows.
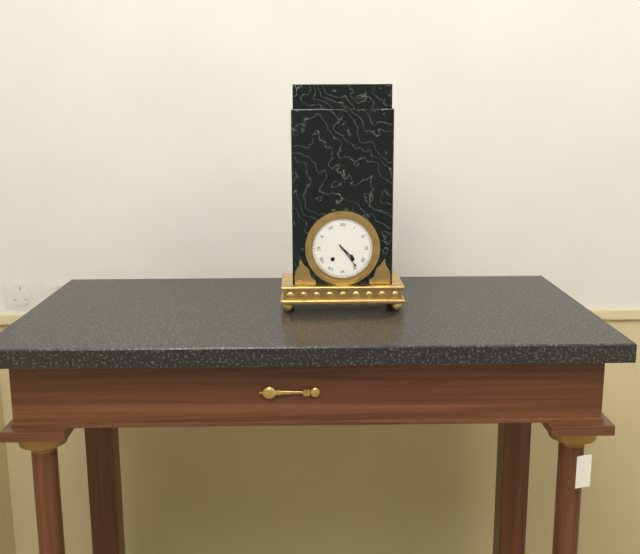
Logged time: 4,24
